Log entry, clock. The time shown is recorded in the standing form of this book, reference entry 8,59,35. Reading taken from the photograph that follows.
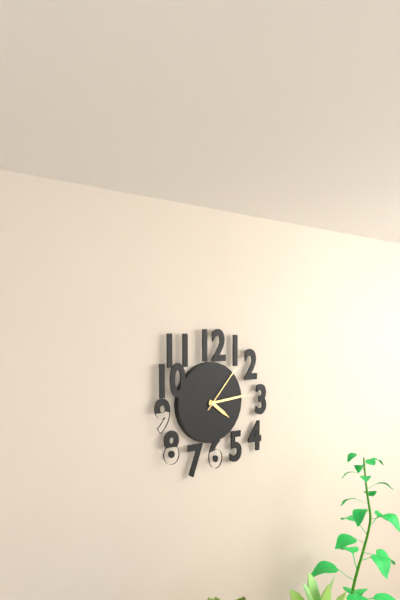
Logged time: 4,14,07
